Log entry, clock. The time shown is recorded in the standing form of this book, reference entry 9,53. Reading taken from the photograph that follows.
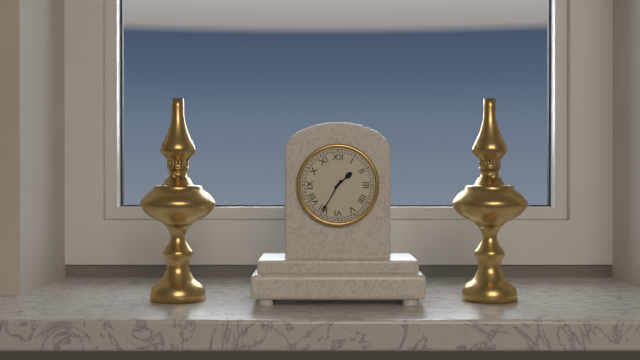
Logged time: 1,35
